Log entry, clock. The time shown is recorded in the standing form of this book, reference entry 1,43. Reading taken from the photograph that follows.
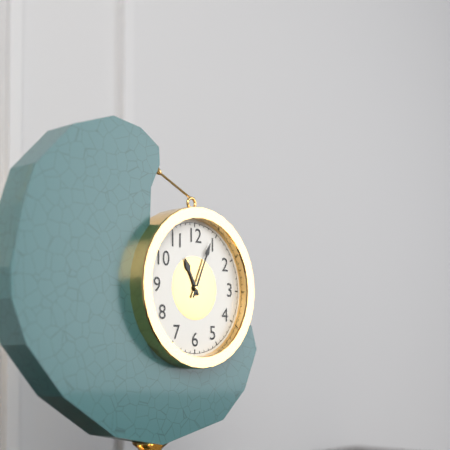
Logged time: 11,04
